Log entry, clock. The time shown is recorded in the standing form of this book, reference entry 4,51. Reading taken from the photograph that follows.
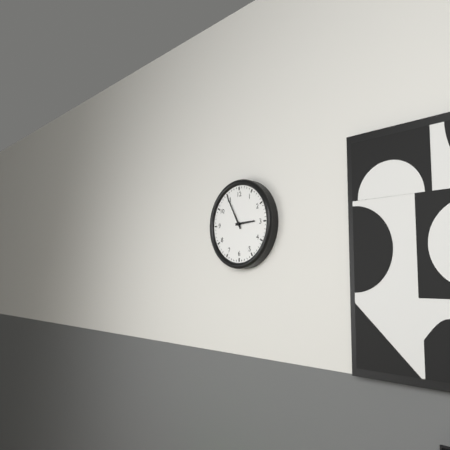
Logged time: 2,55
